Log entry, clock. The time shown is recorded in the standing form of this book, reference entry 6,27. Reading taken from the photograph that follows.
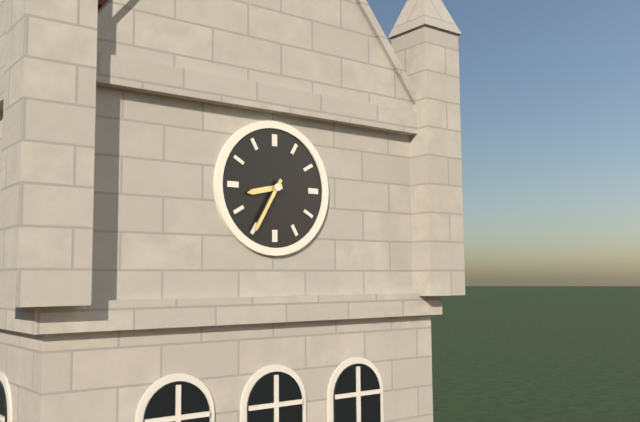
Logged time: 8,35
